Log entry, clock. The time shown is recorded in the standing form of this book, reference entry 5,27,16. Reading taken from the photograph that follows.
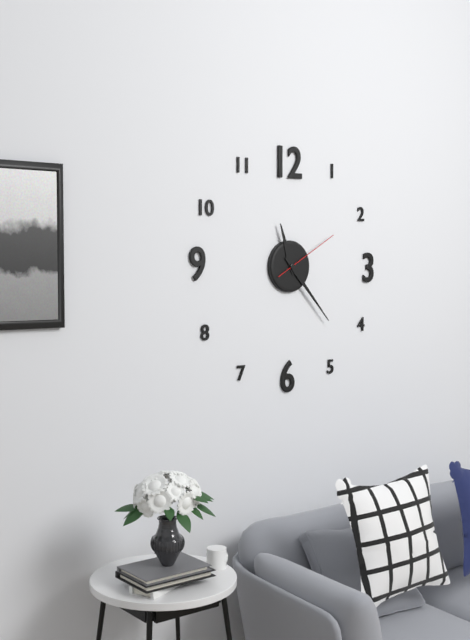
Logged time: 11,23,10
